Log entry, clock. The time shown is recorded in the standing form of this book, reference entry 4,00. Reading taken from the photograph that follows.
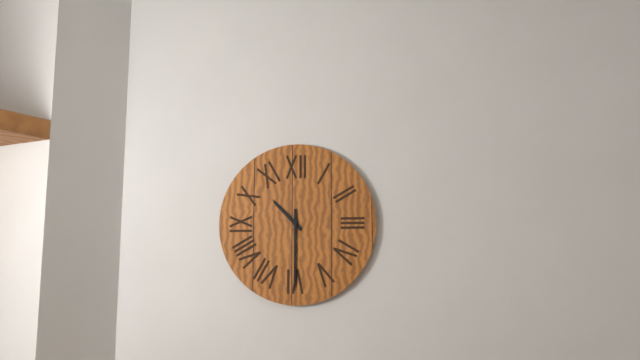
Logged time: 10,30
